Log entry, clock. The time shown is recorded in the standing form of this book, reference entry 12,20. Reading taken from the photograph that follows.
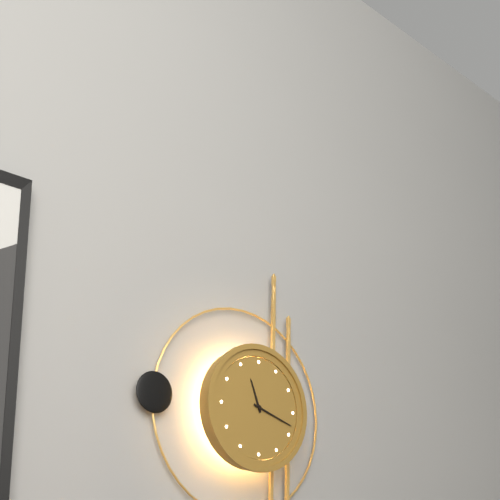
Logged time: 11,18
